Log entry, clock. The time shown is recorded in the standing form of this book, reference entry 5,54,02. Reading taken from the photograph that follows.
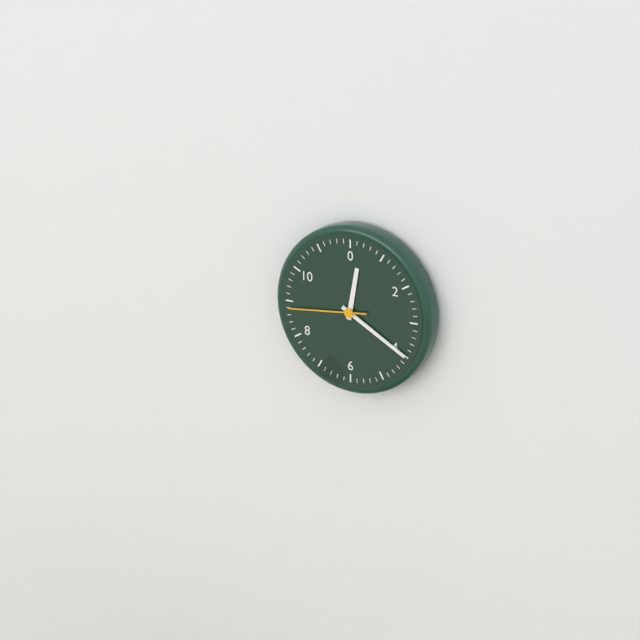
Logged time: 12,20,44
